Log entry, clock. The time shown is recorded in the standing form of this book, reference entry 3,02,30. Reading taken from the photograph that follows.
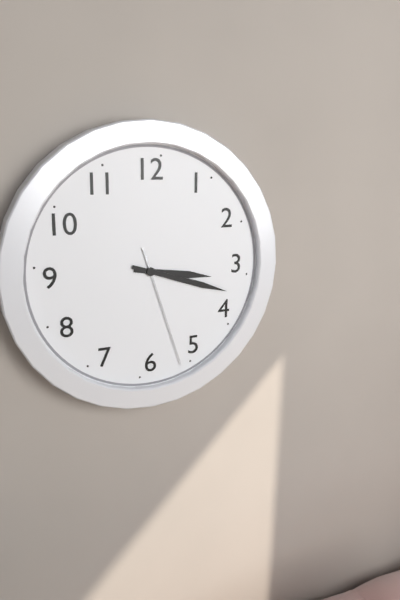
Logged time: 3,18,27
